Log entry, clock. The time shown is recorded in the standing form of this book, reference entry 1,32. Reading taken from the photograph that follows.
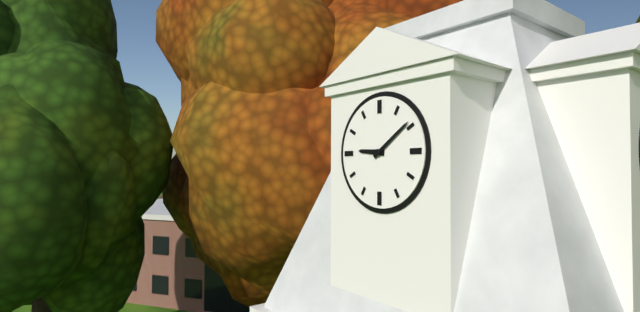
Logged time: 9,09
